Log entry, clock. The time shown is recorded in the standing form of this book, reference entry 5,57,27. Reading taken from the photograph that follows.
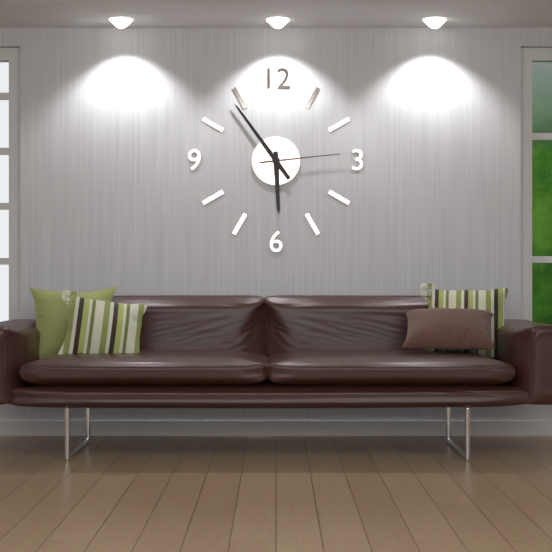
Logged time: 5,54,14
